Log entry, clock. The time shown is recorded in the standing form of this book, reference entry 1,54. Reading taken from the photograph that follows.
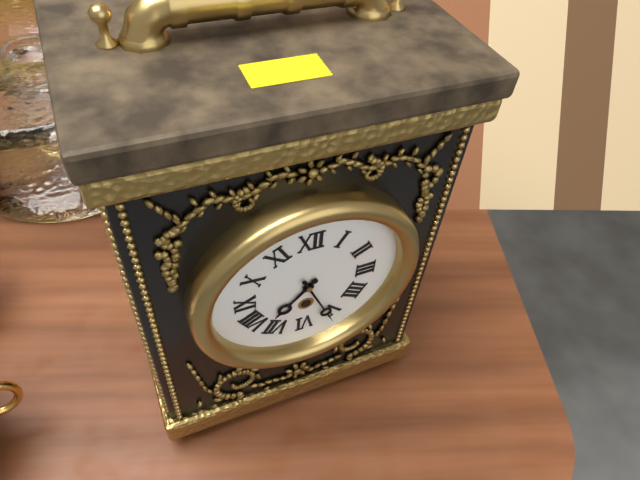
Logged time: 7,26
